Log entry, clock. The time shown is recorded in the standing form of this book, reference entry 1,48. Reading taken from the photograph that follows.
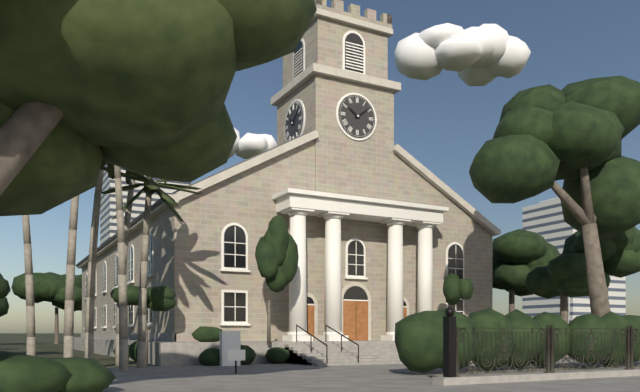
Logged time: 10,09
